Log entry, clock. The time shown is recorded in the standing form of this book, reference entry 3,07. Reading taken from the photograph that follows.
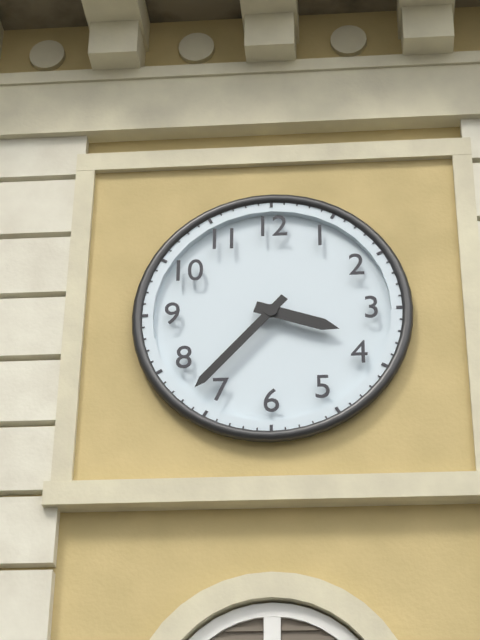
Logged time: 3,37
